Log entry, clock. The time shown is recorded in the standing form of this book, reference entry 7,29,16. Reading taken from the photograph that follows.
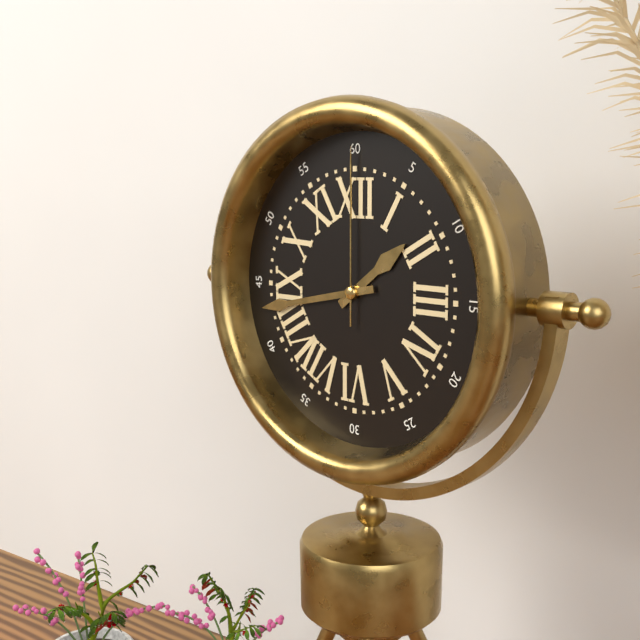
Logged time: 1,43,00
